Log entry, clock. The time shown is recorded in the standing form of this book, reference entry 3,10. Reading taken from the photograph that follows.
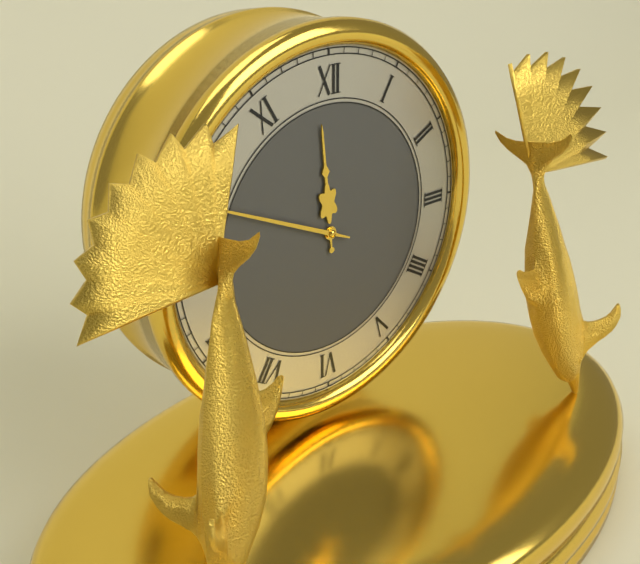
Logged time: 11,49
